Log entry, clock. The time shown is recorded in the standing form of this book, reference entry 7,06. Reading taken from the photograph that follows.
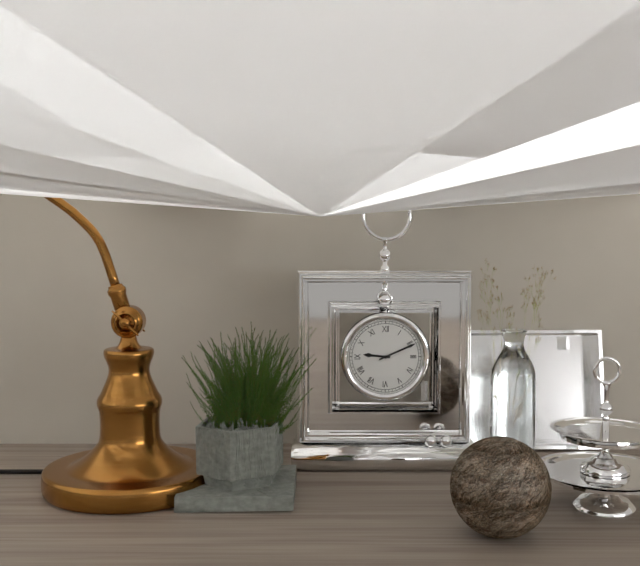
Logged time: 9,11
